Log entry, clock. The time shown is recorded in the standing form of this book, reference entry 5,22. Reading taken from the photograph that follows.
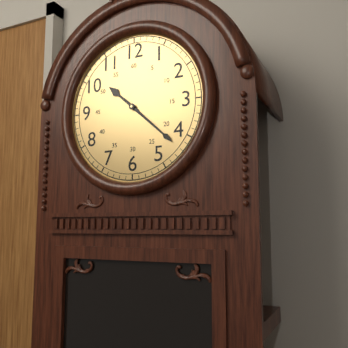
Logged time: 10,22
